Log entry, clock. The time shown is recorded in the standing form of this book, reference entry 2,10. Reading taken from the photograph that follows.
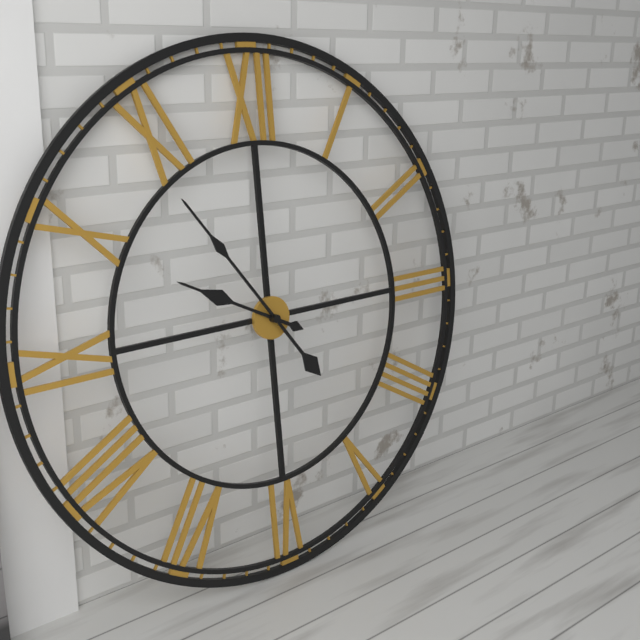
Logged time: 9,54
